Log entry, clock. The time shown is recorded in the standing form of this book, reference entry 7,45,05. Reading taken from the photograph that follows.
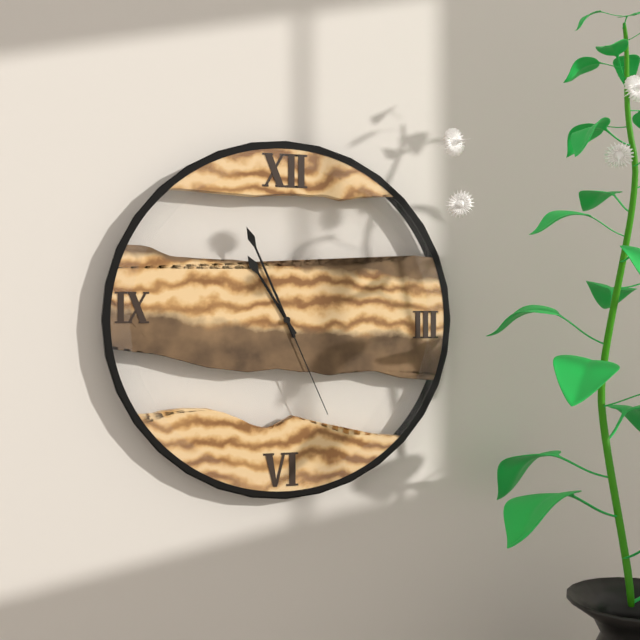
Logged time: 10,56,26
